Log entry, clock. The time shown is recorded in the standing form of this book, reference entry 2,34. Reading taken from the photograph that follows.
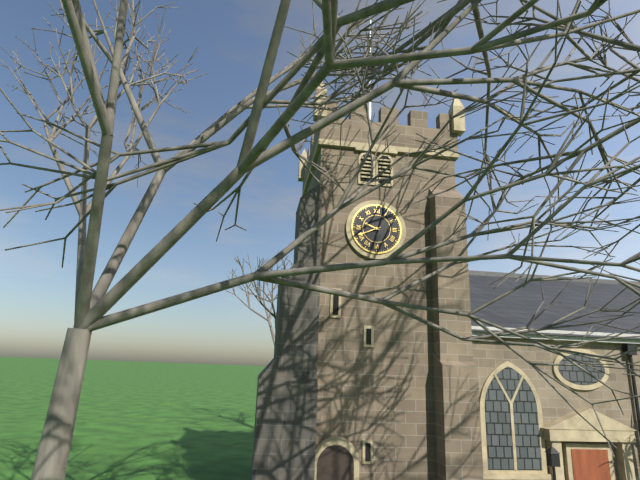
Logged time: 9,41
